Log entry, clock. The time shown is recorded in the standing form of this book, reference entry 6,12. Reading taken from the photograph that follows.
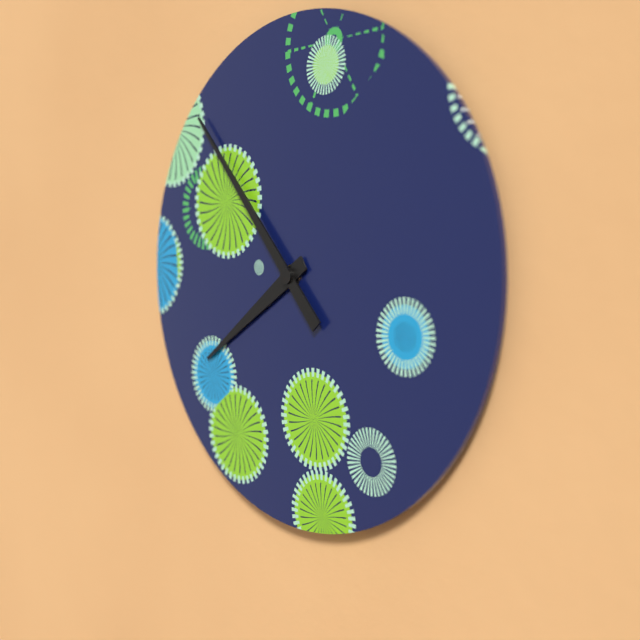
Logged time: 7,53
